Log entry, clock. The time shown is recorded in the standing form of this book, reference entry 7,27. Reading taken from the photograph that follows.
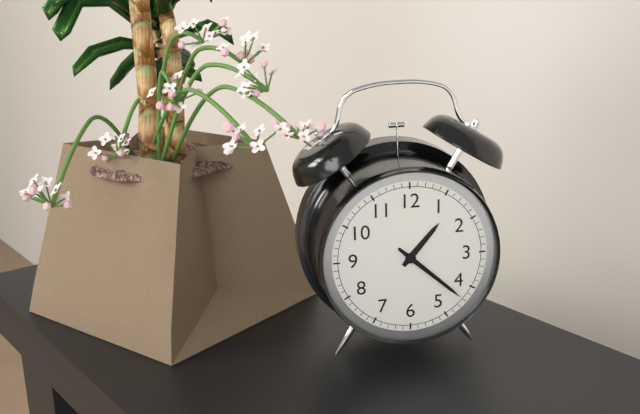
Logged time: 1,22
